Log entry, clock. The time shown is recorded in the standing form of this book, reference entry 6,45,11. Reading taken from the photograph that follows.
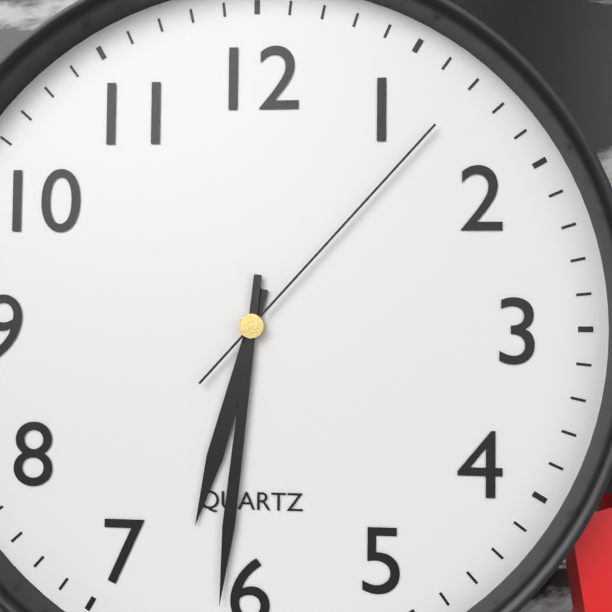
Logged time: 6,31,07
